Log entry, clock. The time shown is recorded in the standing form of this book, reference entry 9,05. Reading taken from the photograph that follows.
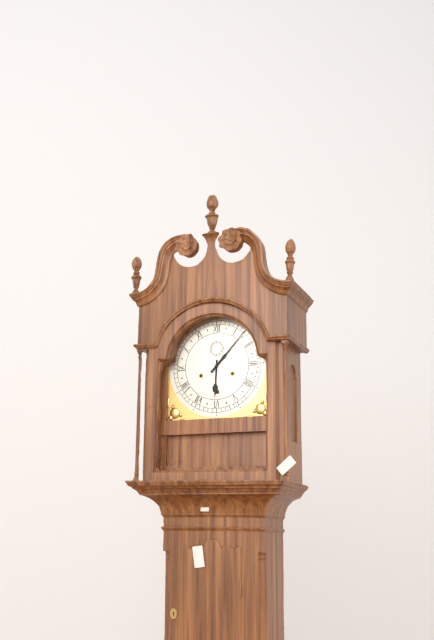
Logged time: 6,07
